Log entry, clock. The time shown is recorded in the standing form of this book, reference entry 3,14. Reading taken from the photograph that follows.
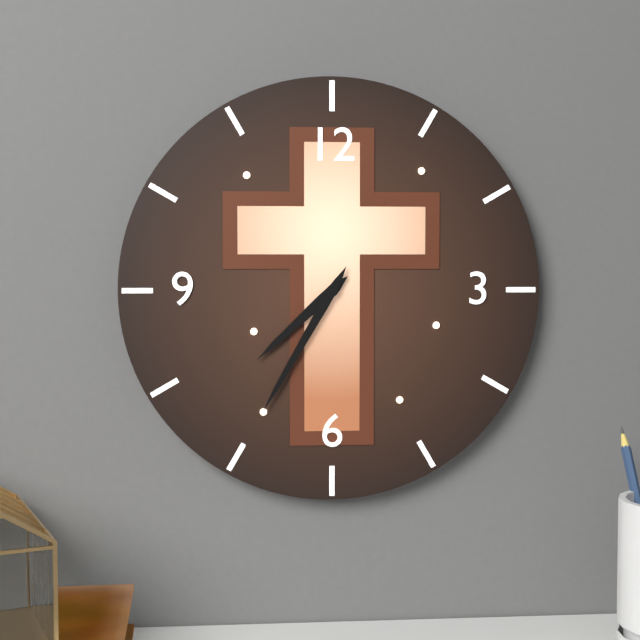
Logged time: 7,35
